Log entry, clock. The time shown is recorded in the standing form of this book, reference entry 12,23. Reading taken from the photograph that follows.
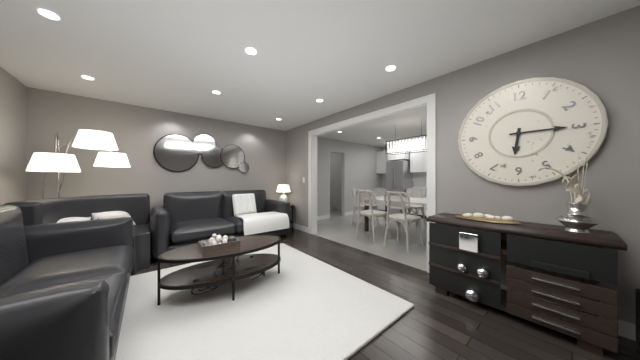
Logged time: 6,15
